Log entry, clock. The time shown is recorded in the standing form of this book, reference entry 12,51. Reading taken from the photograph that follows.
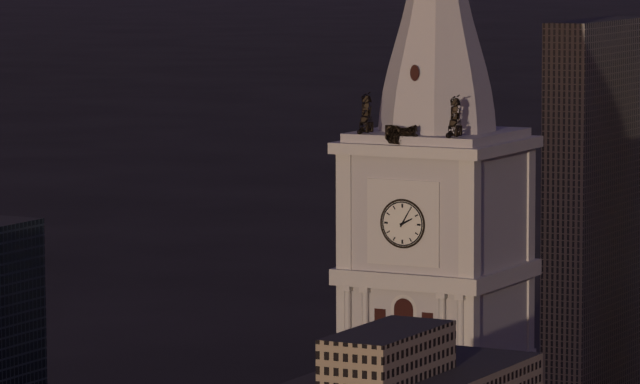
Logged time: 2,05
